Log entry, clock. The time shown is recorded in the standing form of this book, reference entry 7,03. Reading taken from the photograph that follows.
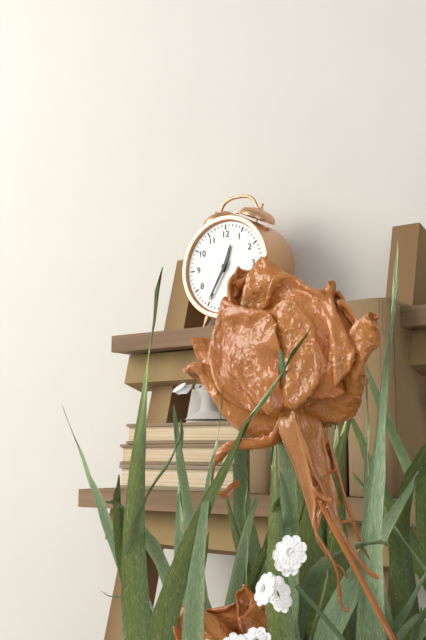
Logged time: 12,35
